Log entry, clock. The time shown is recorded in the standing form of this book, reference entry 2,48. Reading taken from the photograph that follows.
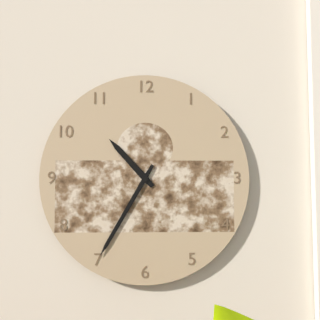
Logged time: 10,35
